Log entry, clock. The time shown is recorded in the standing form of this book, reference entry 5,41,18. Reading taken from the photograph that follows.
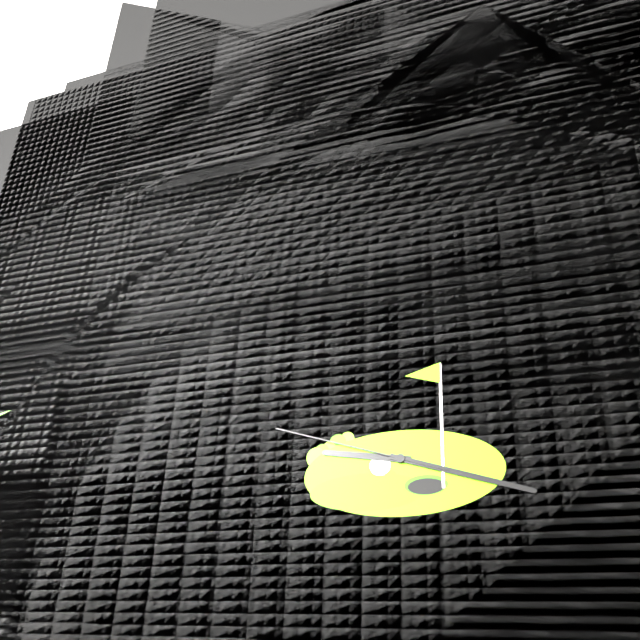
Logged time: 9,18,48
